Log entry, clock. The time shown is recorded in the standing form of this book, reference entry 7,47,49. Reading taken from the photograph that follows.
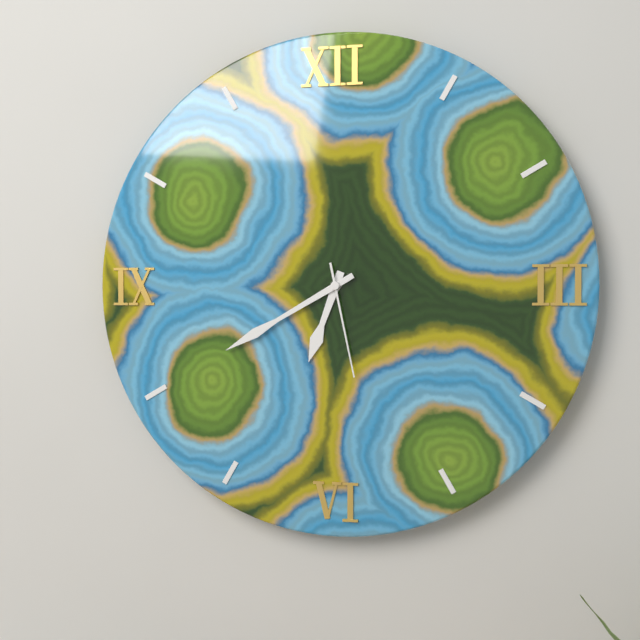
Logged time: 6,40,28
